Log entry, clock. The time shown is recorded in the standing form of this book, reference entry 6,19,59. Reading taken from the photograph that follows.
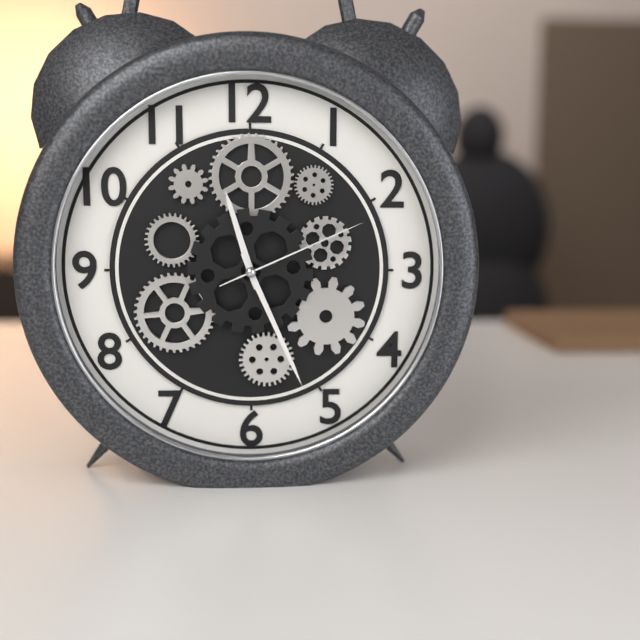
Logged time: 11,26,11
